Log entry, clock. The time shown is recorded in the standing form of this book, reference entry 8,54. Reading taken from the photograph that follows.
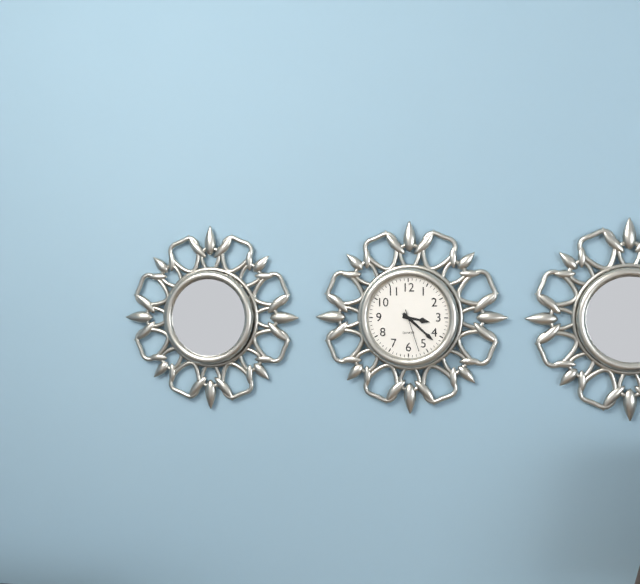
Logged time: 3,22
